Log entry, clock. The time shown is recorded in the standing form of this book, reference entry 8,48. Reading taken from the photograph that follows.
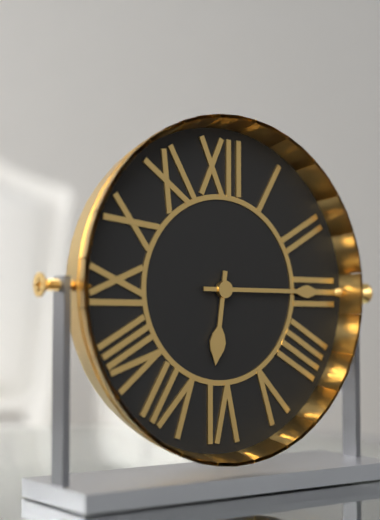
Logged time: 6,15
